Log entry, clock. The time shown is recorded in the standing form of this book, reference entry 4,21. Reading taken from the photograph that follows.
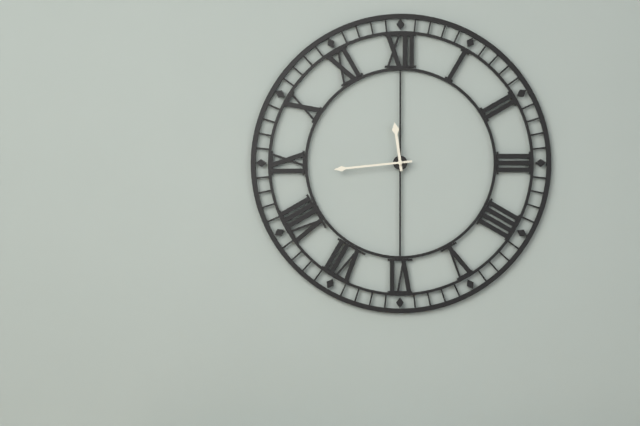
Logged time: 11,44
